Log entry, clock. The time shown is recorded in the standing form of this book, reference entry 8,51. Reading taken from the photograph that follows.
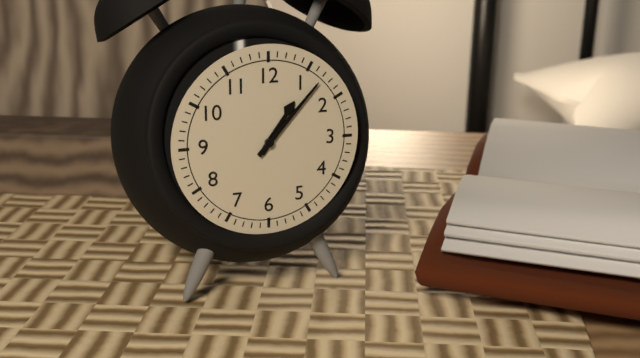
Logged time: 1,07
